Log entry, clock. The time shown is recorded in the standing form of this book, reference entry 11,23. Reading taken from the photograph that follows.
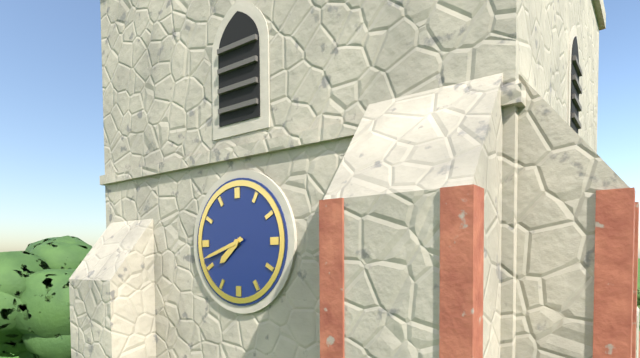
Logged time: 7,42
